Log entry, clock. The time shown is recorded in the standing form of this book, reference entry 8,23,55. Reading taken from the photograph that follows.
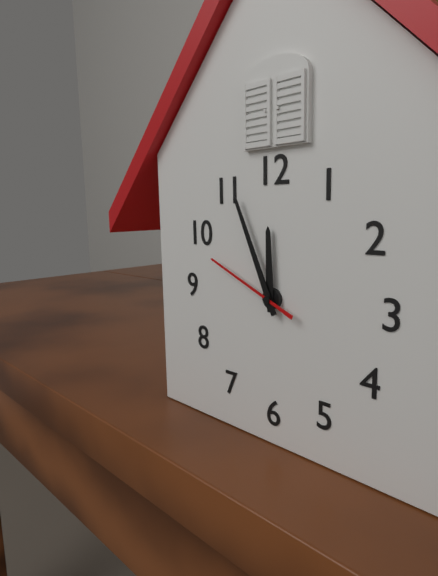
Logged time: 11,56,49
